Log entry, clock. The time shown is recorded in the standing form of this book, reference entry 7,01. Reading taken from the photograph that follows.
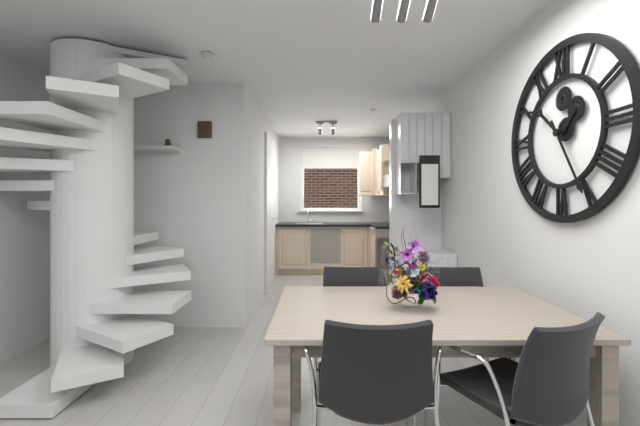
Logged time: 10,25
